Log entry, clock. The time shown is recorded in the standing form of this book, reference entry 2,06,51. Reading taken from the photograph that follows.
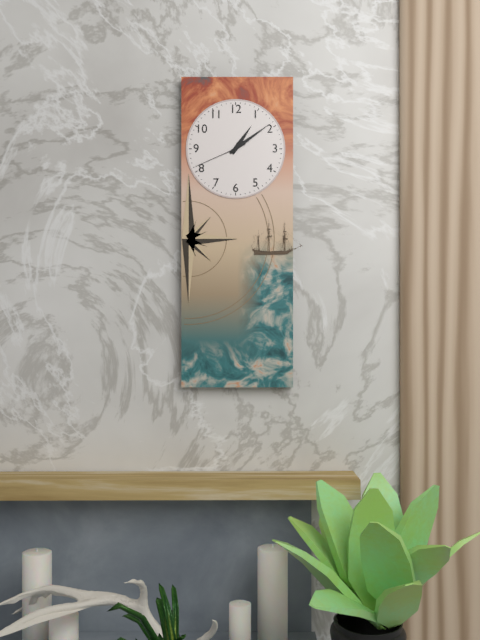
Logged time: 1,09,41
